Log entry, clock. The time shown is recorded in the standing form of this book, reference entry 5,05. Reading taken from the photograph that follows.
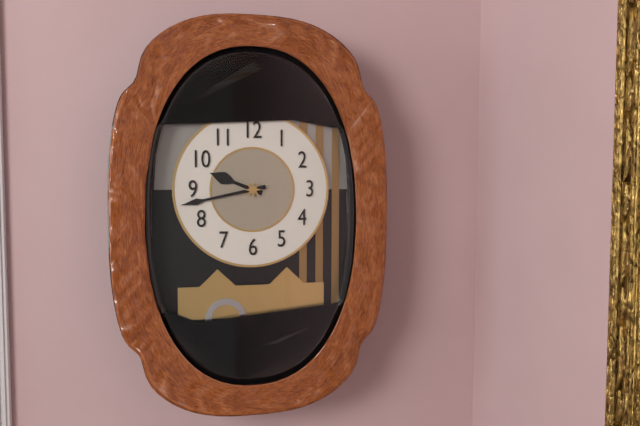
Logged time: 9,43
